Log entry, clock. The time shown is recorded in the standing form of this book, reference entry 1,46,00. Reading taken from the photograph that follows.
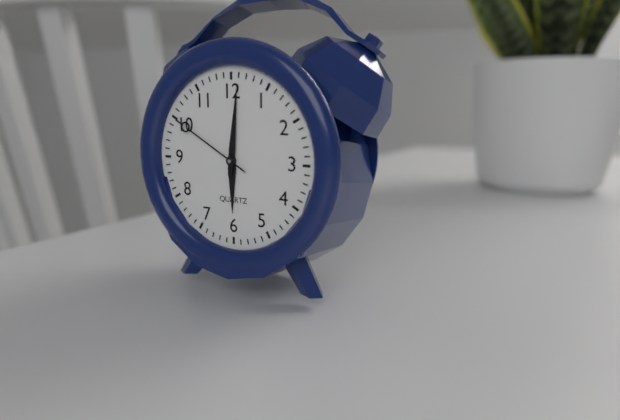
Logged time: 6,01,50
